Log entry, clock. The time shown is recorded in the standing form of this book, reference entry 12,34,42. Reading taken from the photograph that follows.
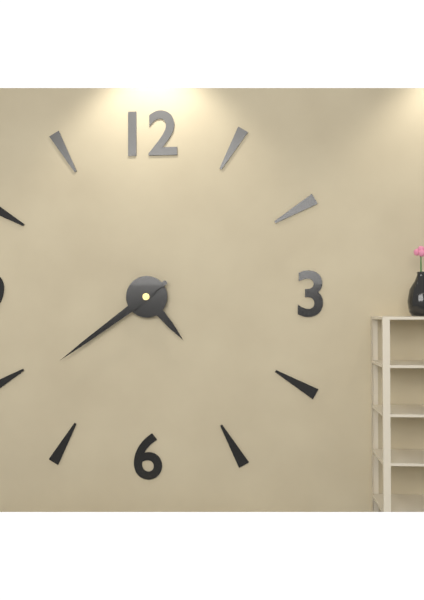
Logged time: 4,39,39
